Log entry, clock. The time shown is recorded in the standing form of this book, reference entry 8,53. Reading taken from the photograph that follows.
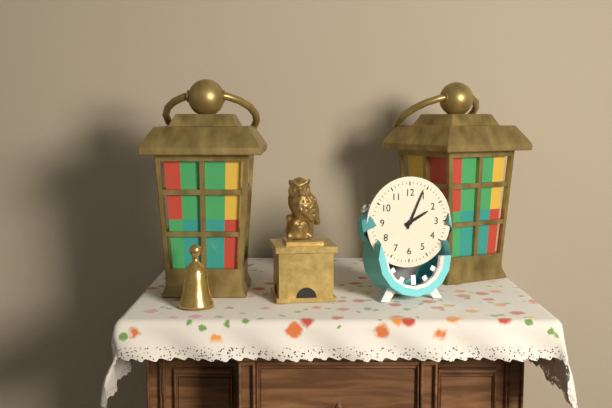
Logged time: 2,04
